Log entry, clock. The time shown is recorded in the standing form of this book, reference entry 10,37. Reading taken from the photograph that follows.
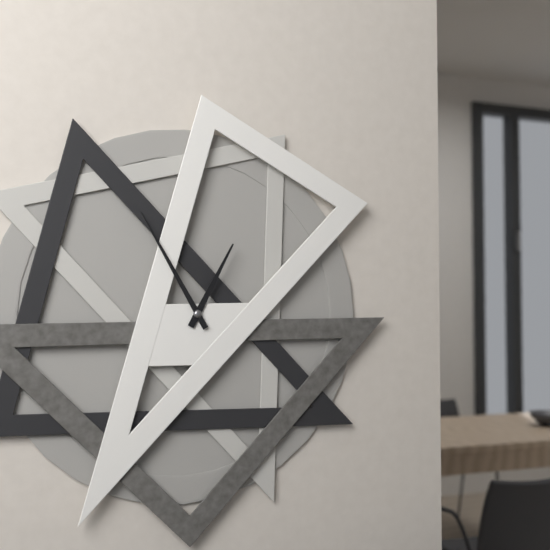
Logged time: 12,55
